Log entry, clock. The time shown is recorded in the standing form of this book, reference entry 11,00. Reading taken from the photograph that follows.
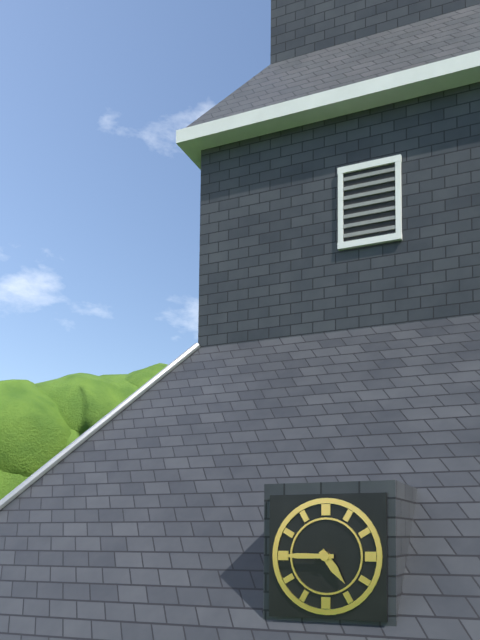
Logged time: 4,45
